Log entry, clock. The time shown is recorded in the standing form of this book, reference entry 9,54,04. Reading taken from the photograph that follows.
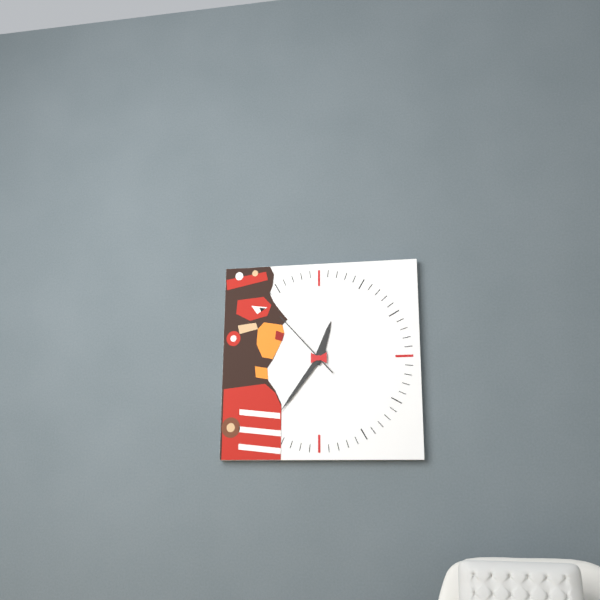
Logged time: 12,36,53
